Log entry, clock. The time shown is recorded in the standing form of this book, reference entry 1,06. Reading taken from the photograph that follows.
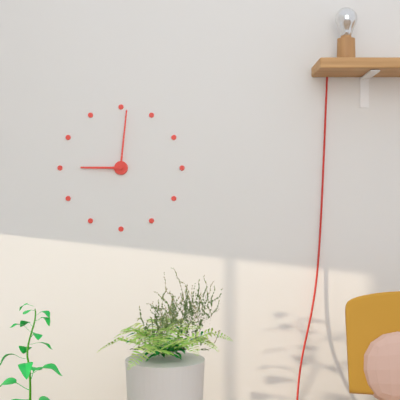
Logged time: 9,01
